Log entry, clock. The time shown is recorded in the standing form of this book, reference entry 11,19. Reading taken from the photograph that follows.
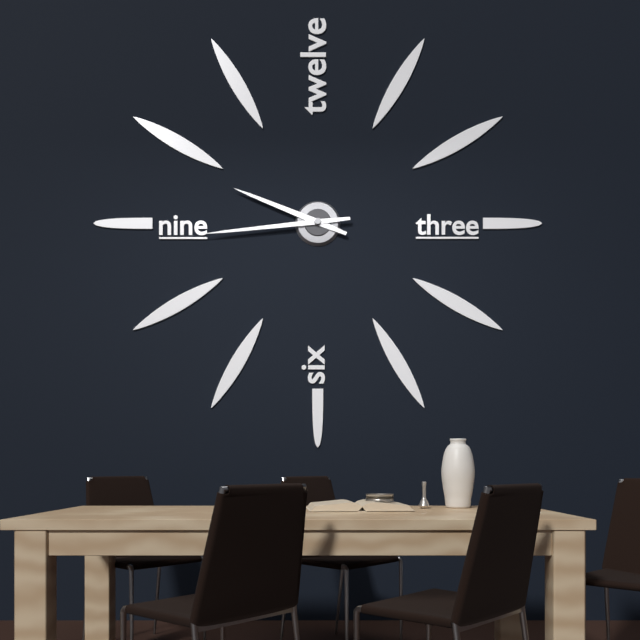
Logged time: 9,44
